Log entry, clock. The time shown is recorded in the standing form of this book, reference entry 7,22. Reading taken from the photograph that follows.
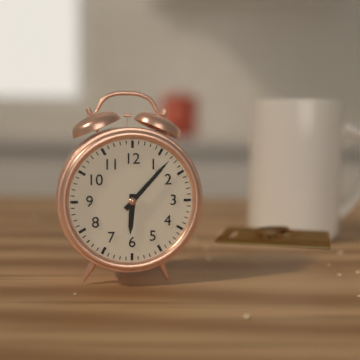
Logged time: 6,07
